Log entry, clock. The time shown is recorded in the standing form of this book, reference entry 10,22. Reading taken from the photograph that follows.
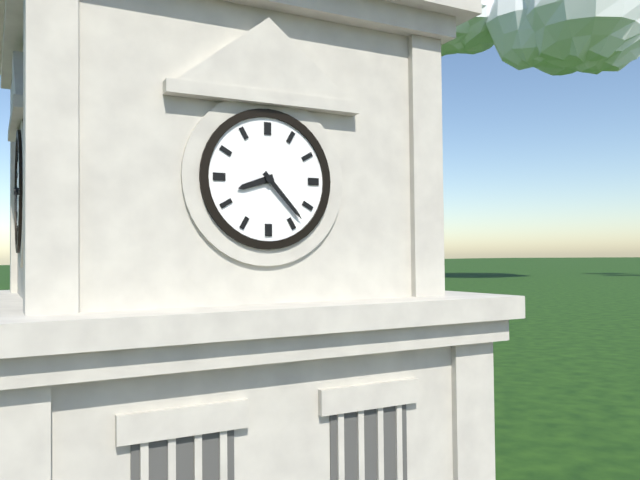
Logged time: 8,23
